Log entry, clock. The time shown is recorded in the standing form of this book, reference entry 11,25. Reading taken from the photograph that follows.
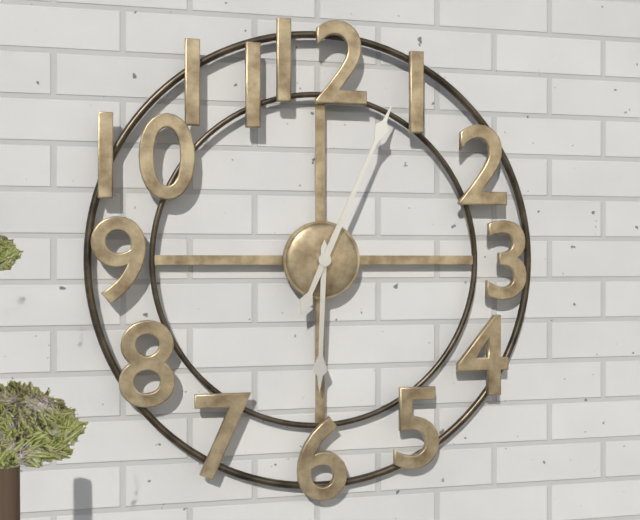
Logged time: 6,04
